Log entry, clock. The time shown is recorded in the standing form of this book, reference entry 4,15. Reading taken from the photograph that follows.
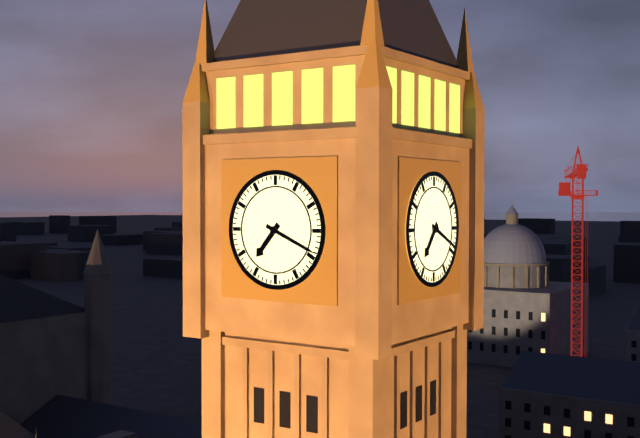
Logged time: 7,19
